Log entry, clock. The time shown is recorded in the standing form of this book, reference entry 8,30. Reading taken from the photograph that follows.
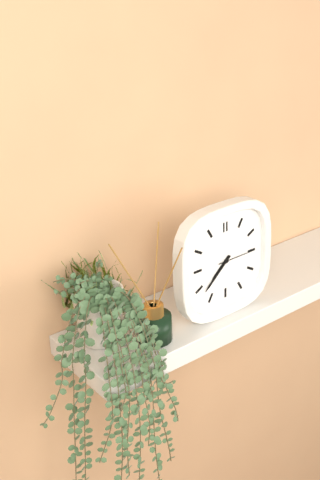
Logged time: 7,38
